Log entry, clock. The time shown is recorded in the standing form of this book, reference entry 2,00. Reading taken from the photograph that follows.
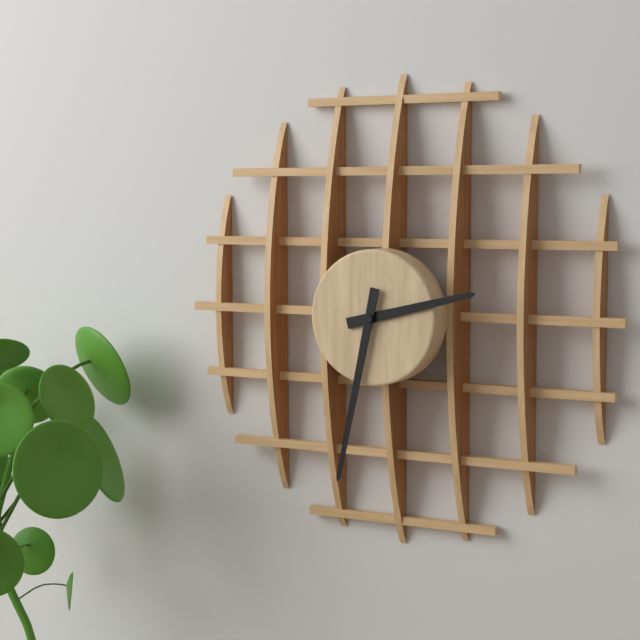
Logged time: 2,32
